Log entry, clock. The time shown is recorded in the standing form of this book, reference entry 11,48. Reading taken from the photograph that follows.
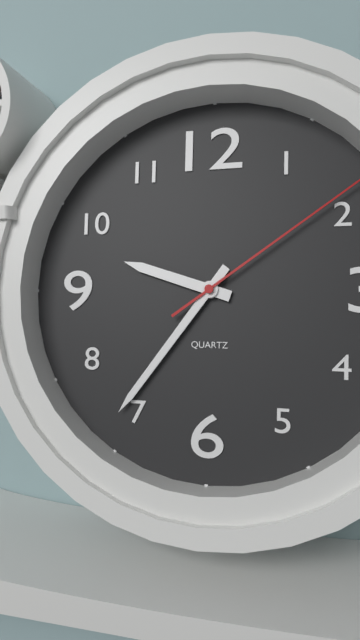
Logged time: 9,36
